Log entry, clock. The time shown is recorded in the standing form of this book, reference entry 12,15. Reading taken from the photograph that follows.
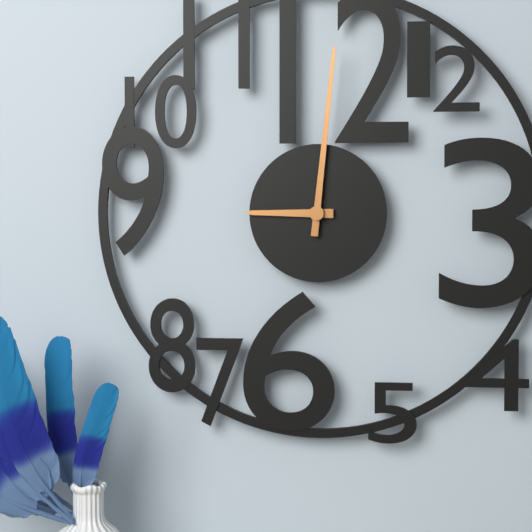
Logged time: 9,01
